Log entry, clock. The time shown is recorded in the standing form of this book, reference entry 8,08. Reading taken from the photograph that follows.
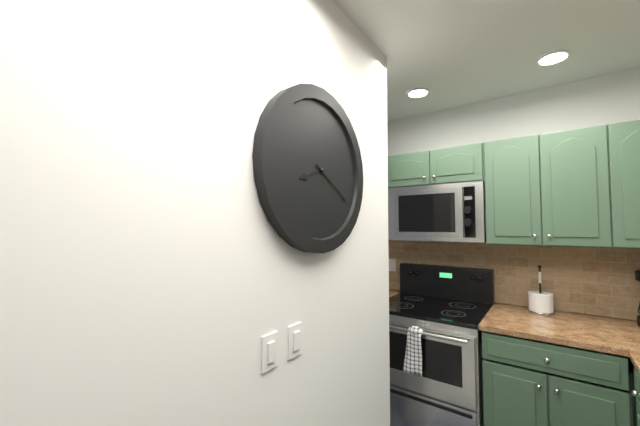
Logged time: 8,20
